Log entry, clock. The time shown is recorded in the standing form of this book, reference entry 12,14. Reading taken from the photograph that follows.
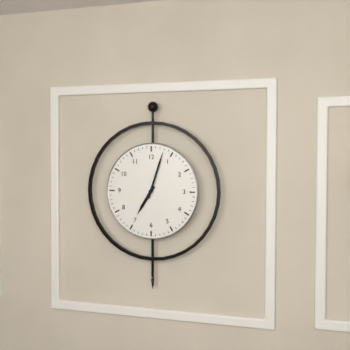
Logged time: 7,03
